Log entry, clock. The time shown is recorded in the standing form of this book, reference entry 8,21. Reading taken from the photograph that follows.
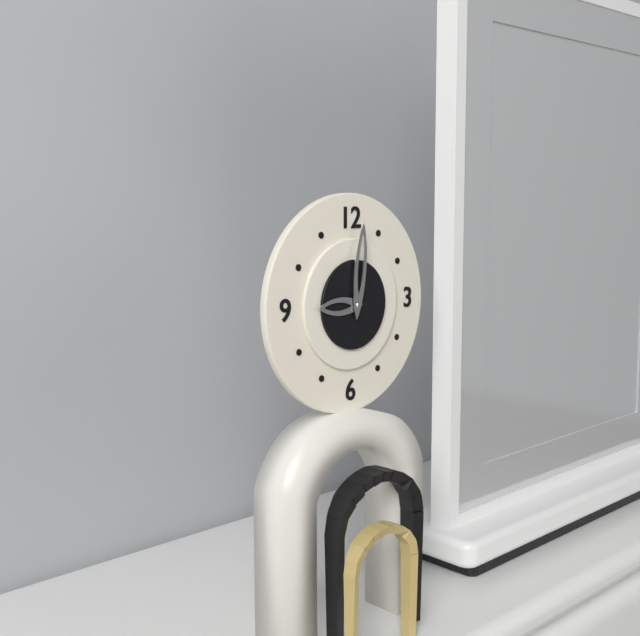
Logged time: 9,01
